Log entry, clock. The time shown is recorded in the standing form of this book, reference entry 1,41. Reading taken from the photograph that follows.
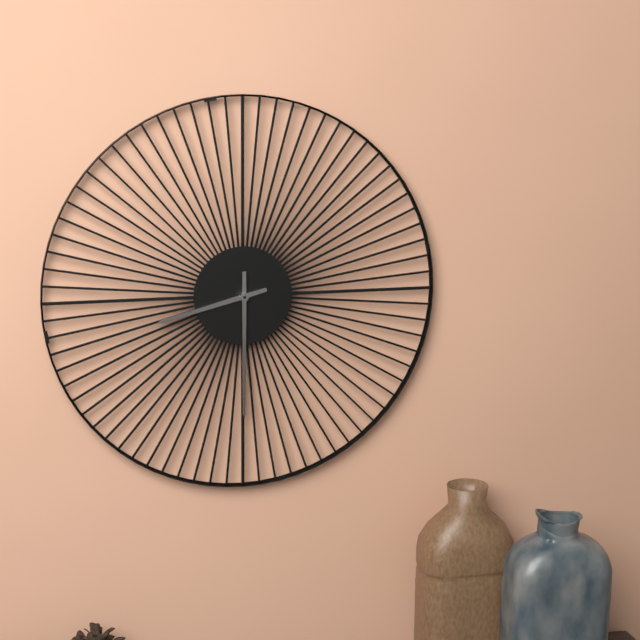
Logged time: 8,30
